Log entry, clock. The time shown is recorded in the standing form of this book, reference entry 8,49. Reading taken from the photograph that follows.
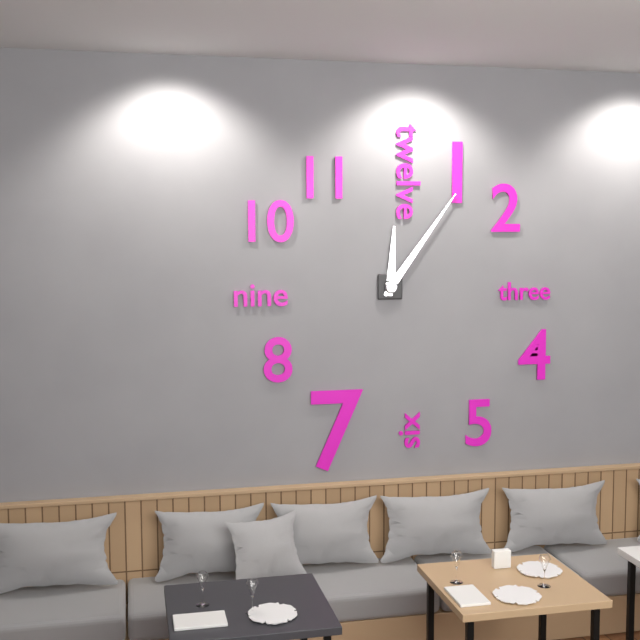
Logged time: 12,06
